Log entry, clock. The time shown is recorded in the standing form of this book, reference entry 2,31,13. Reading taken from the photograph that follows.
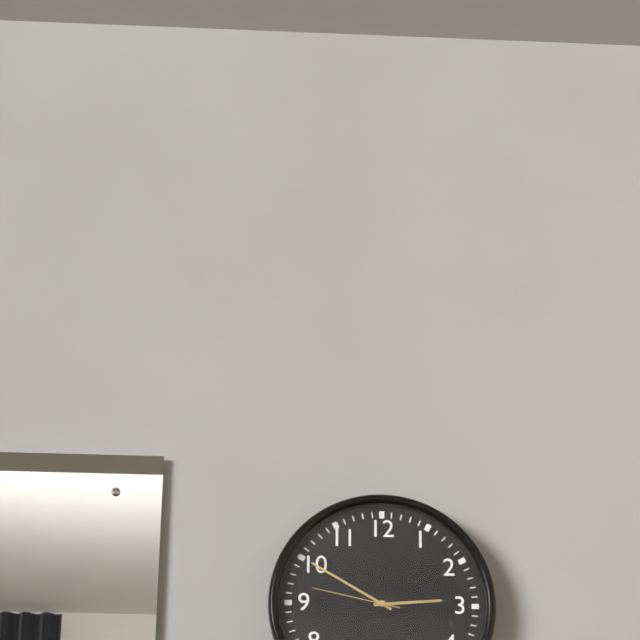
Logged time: 2,50,47
